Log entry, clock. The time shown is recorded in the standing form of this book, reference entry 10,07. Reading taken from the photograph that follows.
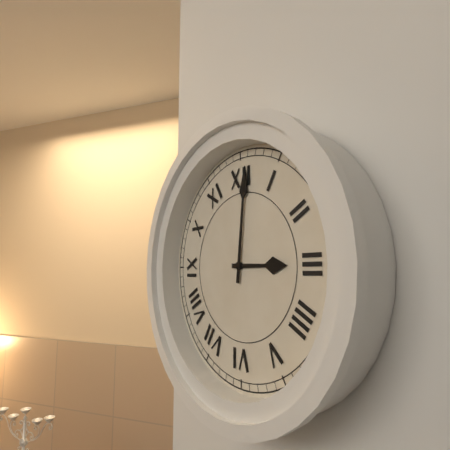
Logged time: 3,01
